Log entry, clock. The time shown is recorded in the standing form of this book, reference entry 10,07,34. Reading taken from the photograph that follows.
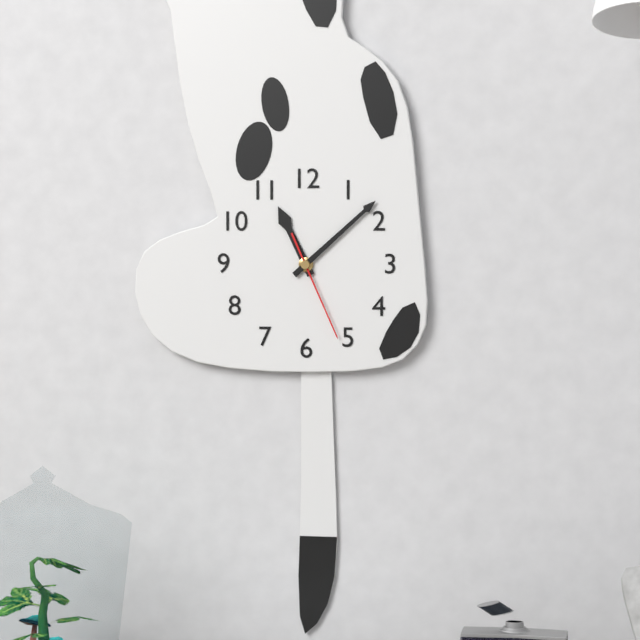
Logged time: 11,08,26
